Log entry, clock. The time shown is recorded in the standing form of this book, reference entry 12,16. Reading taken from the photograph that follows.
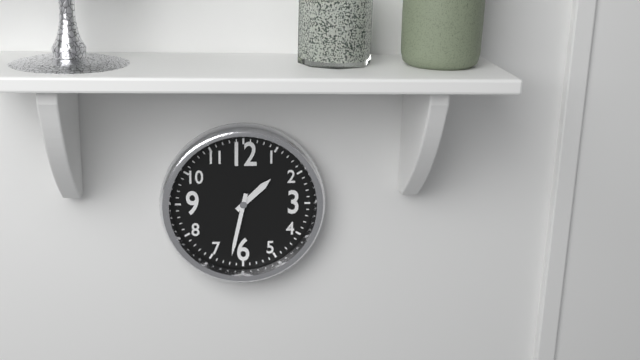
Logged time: 1,32
